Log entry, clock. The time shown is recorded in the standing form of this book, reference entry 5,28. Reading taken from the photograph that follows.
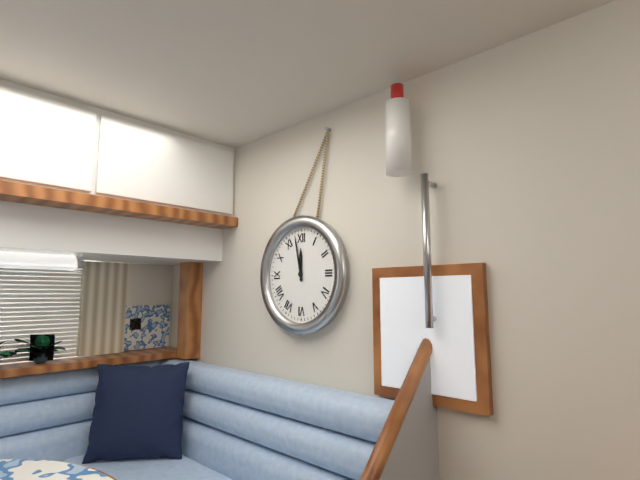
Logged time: 11,58
